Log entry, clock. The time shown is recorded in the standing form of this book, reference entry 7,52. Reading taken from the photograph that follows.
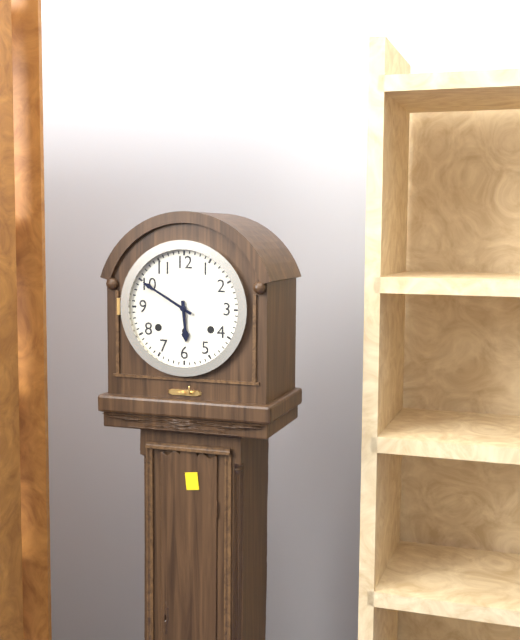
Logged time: 5,50
